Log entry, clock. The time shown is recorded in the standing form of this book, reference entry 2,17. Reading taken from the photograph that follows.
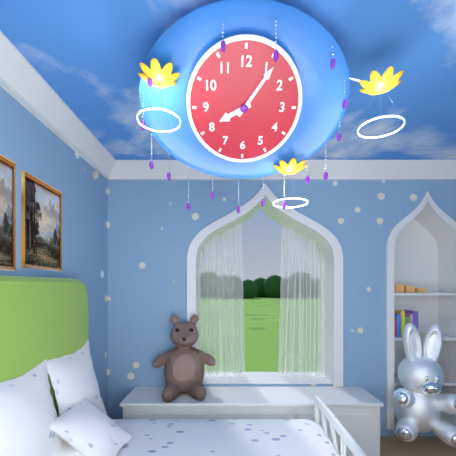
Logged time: 8,06
